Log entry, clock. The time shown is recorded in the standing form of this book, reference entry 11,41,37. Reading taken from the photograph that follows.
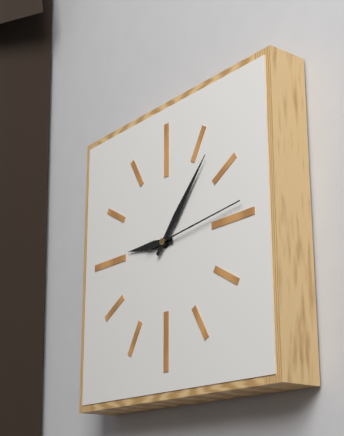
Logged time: 9,07,14
